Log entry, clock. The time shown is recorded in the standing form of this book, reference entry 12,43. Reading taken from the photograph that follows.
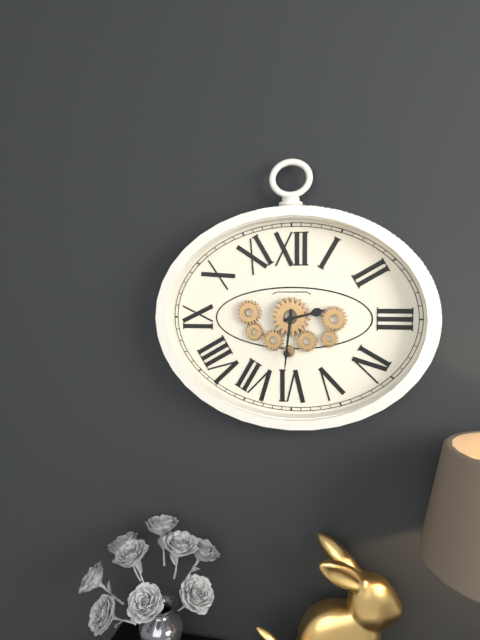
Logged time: 2,31
